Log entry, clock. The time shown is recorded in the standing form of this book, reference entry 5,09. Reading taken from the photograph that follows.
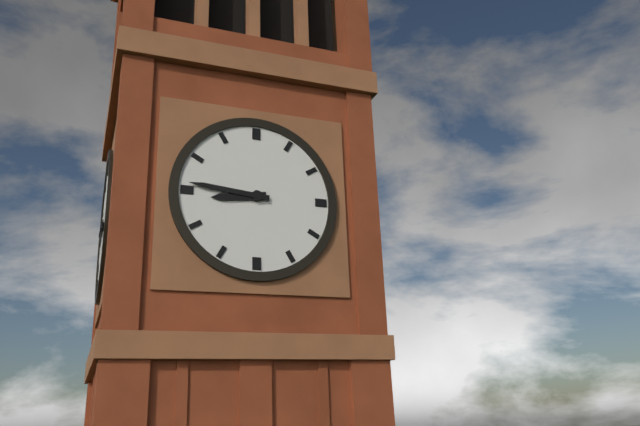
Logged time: 8,46
